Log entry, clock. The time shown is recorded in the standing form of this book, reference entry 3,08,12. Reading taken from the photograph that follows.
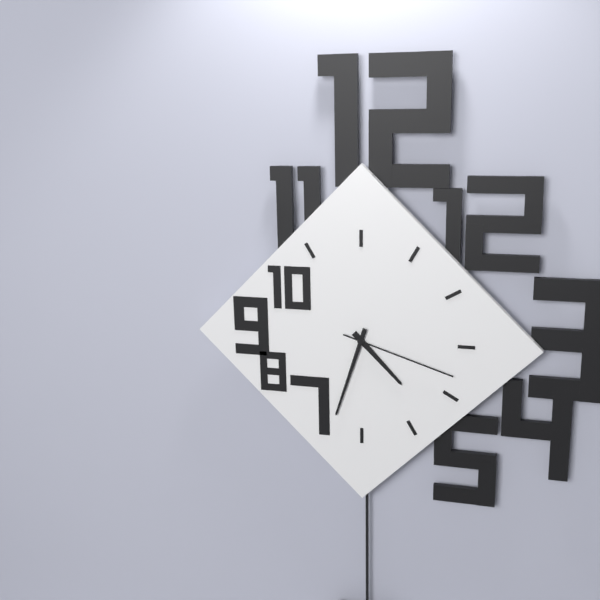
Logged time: 4,33,18
